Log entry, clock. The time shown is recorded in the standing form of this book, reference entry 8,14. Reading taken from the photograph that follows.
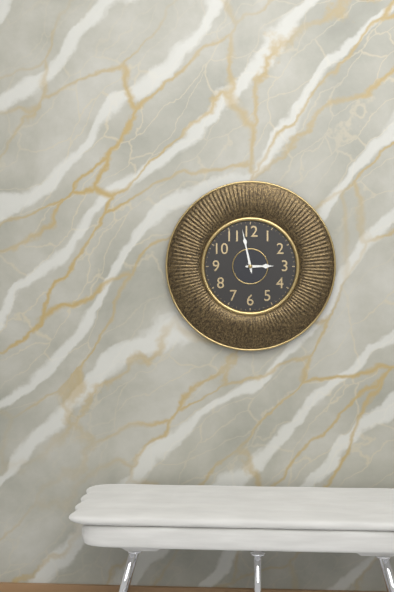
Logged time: 2,58
